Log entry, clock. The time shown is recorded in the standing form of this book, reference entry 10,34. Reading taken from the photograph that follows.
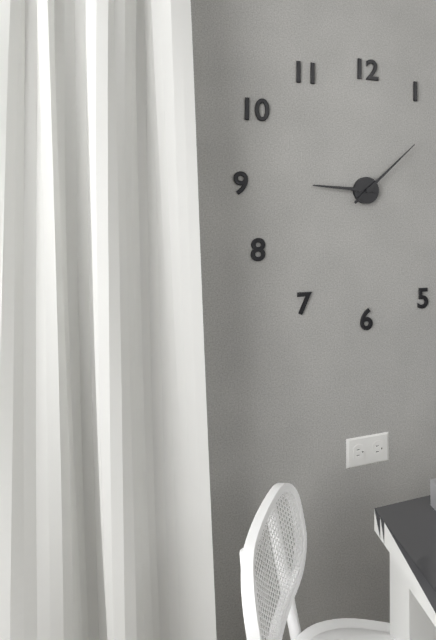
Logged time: 9,08
